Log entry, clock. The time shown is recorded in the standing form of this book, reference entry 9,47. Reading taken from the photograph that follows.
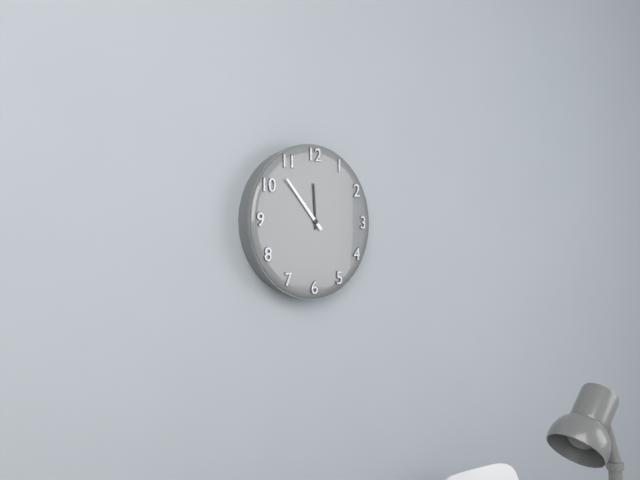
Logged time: 11,53
